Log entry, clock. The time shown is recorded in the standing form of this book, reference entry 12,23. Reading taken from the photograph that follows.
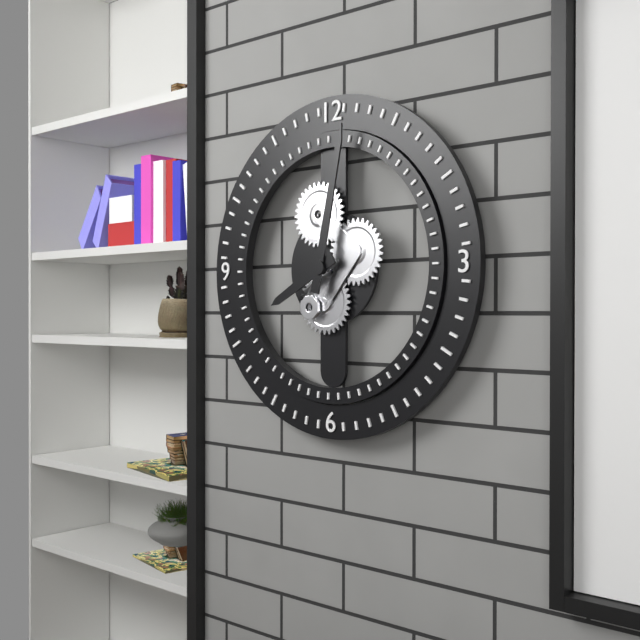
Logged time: 8,02
